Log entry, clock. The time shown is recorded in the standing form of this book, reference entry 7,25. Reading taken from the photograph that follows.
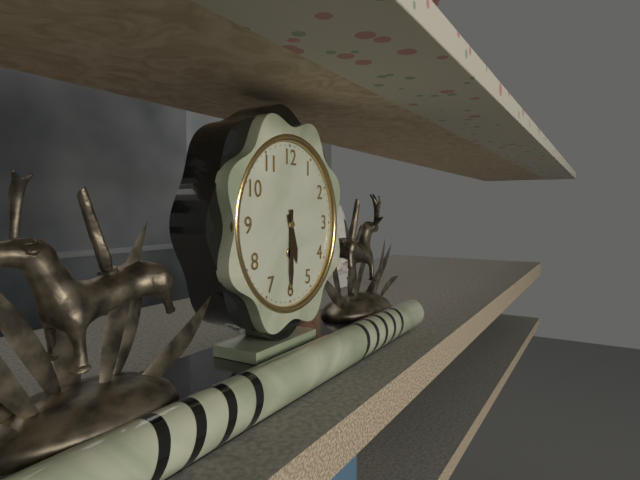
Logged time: 5,30
